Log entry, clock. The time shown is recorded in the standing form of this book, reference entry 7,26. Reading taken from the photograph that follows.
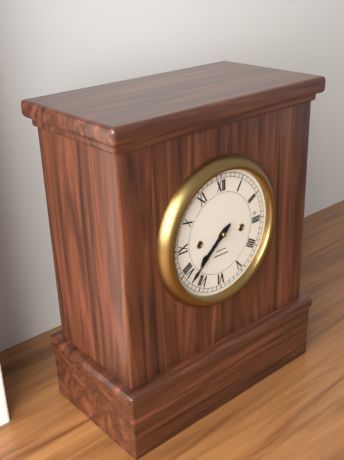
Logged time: 7,38
